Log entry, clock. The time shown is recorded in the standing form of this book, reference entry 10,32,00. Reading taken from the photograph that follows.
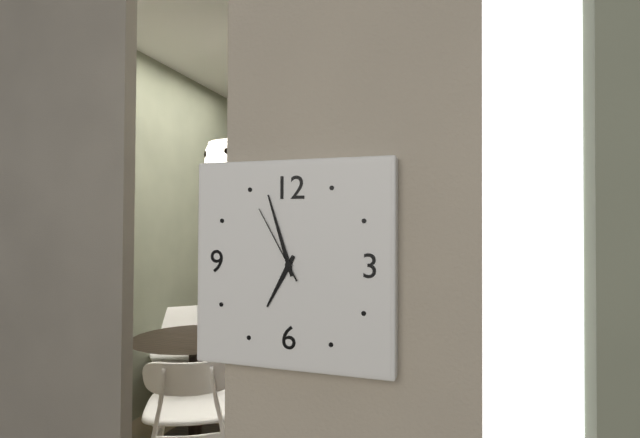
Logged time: 6,57,55
